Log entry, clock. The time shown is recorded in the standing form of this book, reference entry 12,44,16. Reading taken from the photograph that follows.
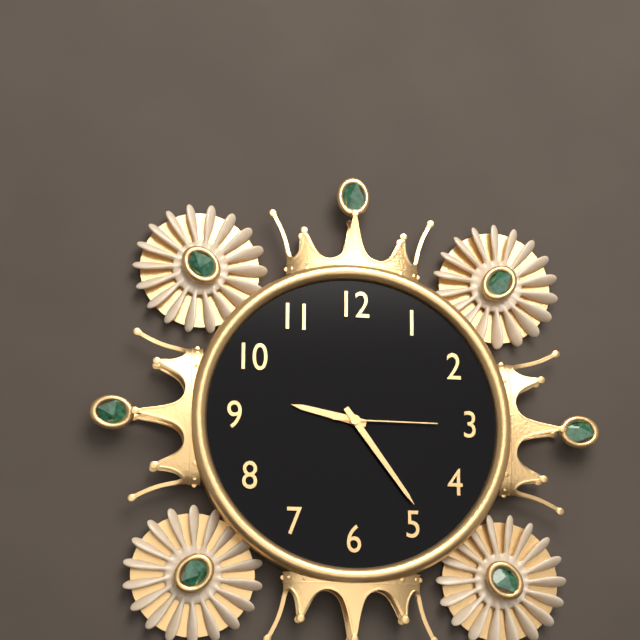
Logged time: 9,24,15
